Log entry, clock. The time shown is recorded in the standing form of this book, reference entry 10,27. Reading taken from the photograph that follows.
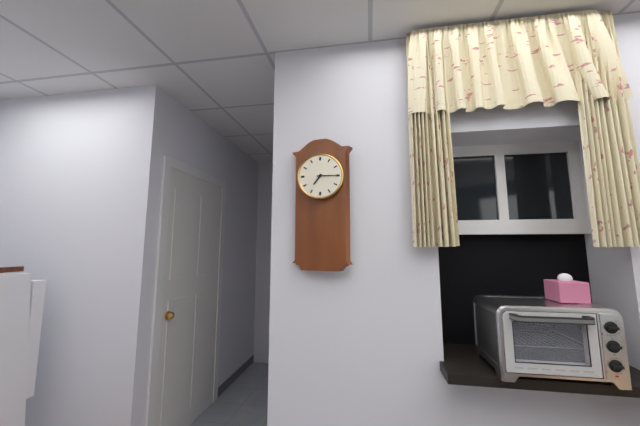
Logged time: 7,15
